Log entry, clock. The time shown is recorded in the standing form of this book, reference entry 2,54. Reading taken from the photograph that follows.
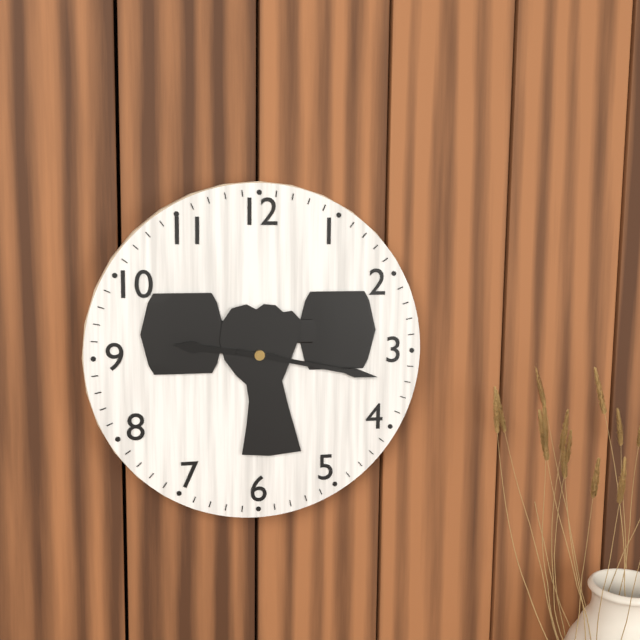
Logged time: 9,17
